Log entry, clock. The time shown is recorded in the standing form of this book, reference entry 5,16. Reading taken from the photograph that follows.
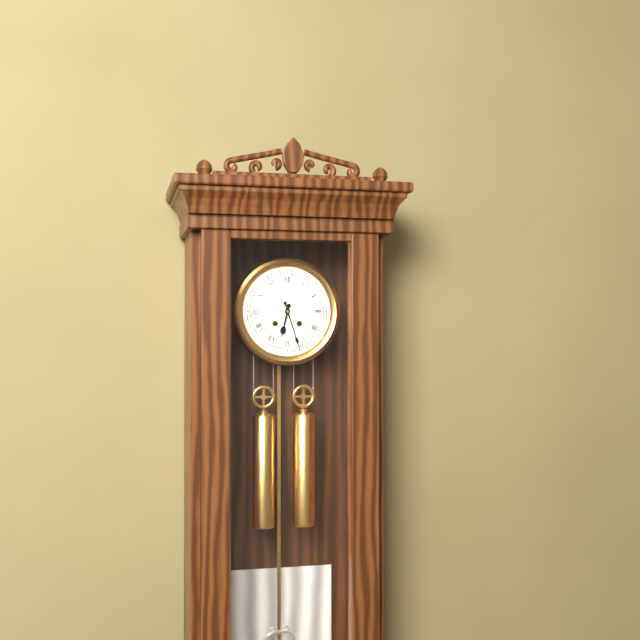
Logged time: 6,27
